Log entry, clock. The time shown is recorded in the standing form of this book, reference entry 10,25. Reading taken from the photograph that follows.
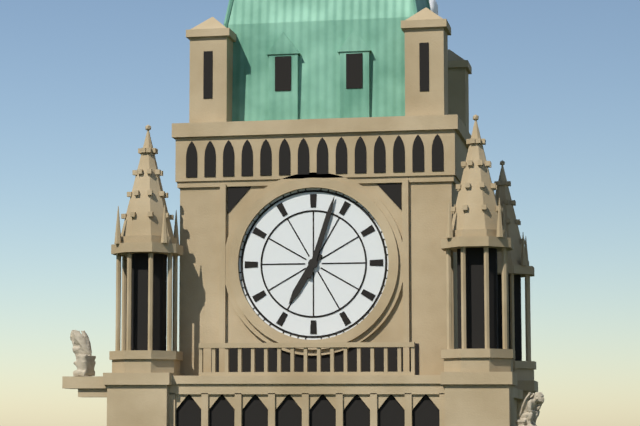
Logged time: 7,03
